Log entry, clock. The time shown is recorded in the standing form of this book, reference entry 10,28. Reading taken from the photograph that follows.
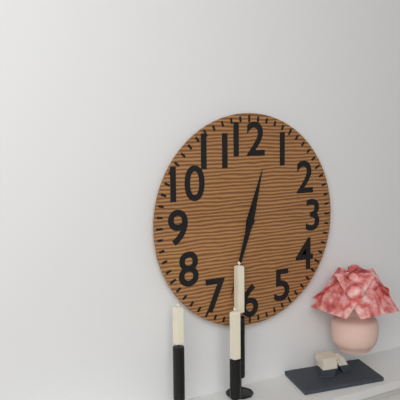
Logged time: 12,33
